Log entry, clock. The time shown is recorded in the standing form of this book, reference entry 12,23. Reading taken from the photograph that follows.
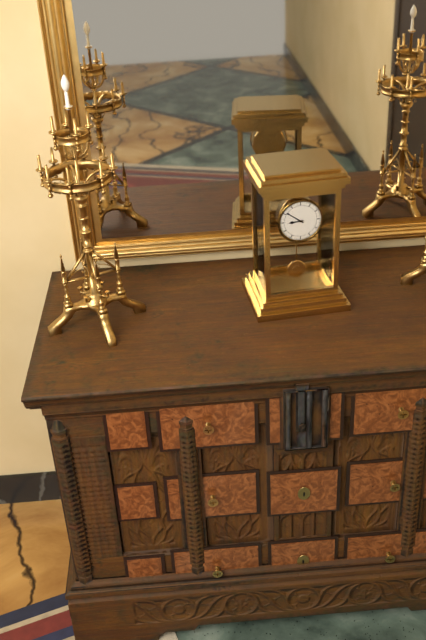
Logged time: 8,51
